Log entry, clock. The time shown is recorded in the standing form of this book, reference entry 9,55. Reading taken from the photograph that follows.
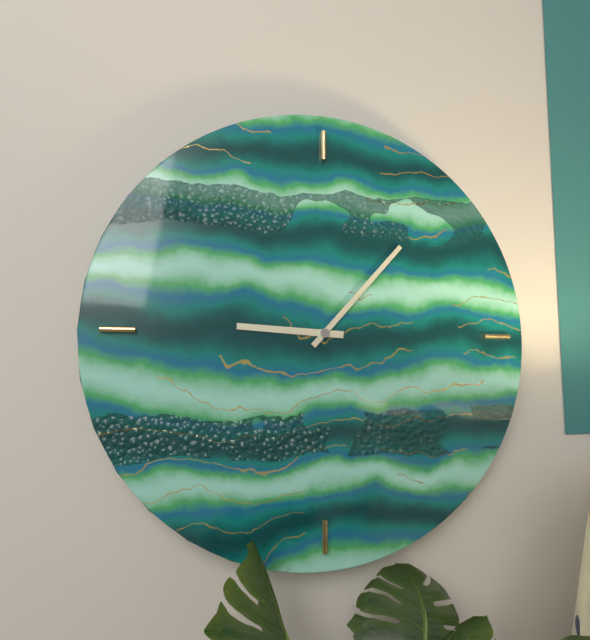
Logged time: 9,07
